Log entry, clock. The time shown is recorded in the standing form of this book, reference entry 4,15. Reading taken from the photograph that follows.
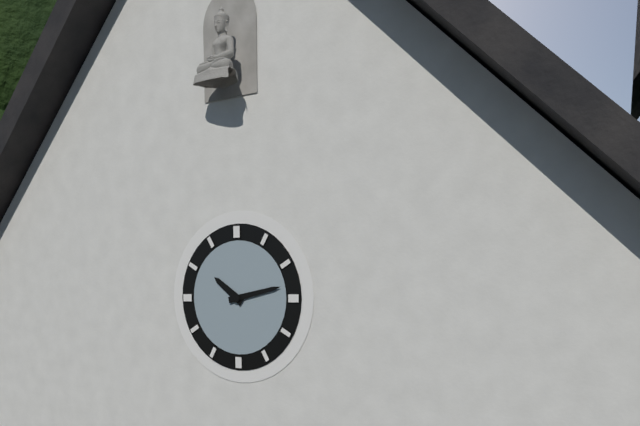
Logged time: 10,13
